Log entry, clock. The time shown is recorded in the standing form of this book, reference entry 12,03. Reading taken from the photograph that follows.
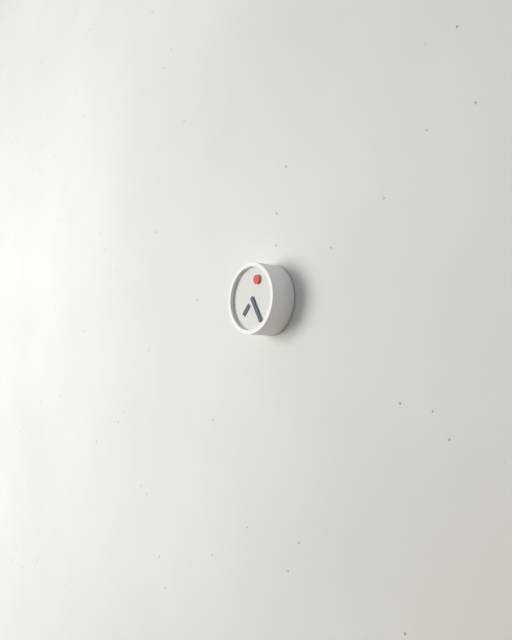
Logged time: 7,25
